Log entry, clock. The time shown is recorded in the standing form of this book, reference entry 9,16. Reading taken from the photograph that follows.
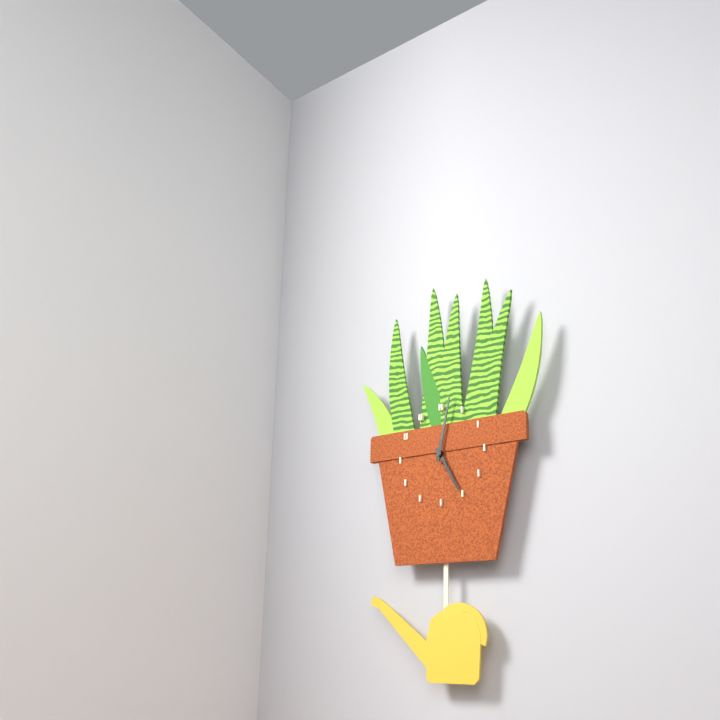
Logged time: 5,02
